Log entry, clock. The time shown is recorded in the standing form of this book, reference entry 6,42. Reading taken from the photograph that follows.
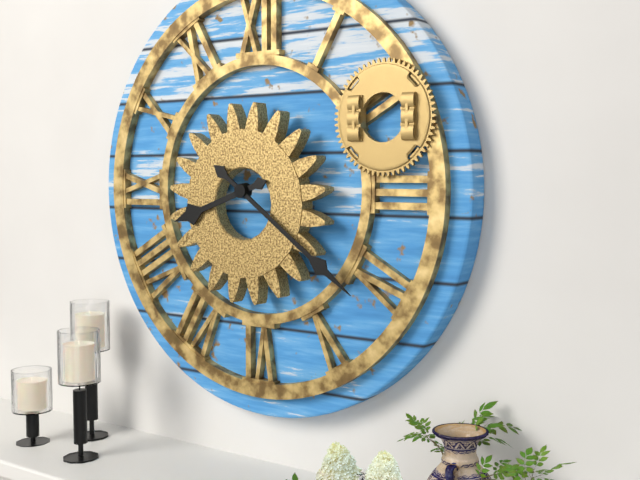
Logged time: 8,21
